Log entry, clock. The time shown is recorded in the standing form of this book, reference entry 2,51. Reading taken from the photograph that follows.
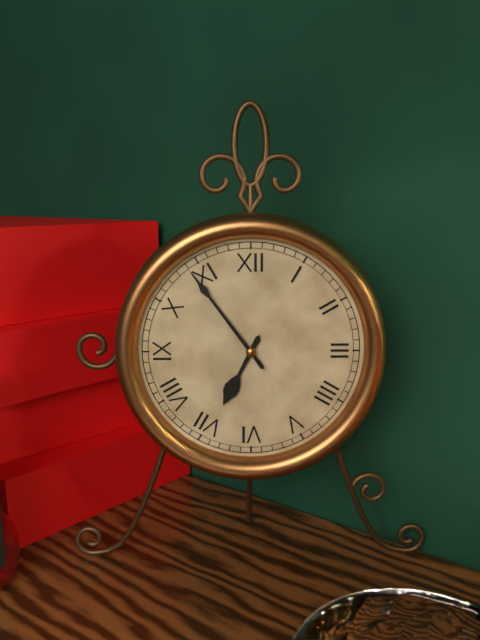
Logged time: 6,54
